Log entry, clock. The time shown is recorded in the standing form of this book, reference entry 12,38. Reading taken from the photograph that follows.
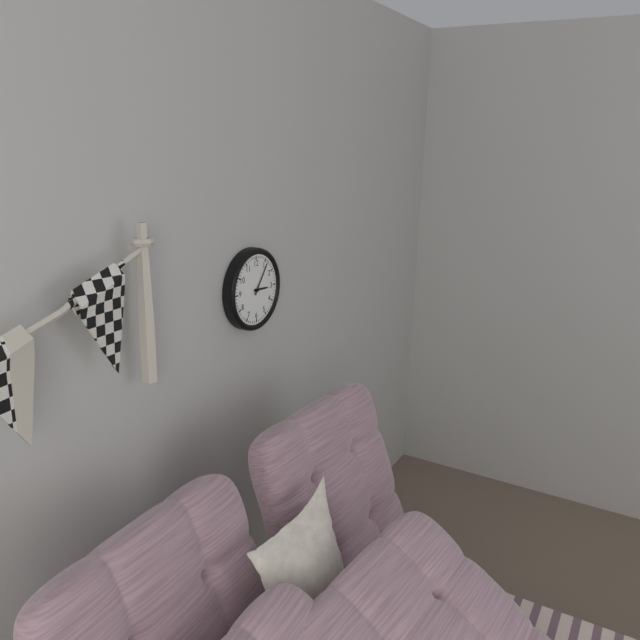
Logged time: 3,06
